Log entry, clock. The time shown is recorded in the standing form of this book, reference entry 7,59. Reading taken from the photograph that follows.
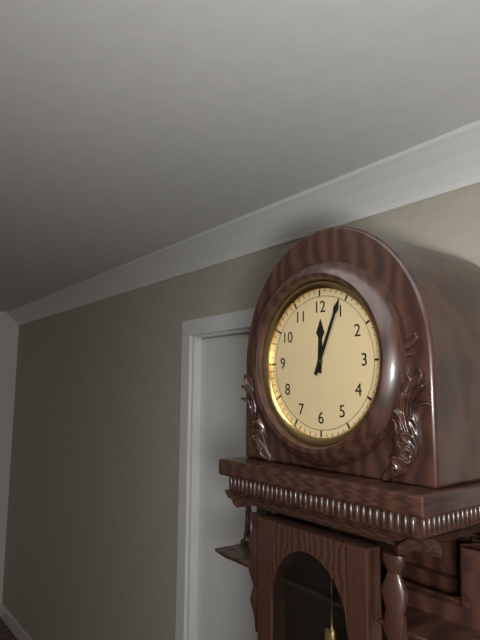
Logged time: 12,04
